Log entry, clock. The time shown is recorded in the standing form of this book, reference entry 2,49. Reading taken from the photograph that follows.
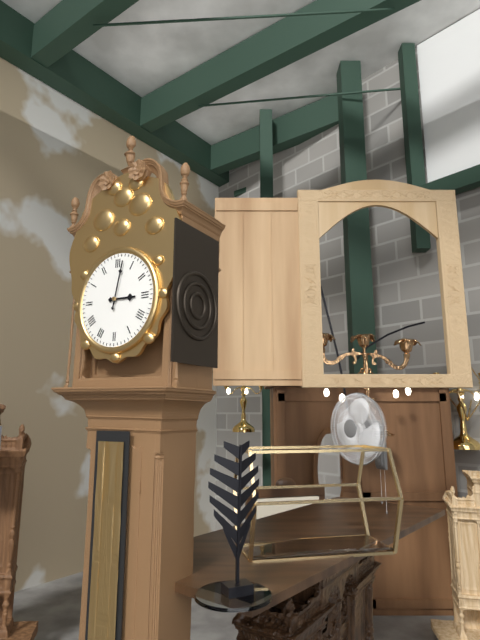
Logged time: 3,02
